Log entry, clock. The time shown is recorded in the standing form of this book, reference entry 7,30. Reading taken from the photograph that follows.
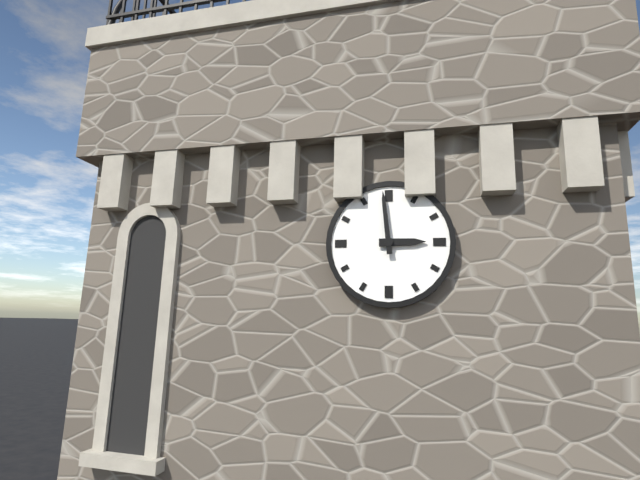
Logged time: 2,59
